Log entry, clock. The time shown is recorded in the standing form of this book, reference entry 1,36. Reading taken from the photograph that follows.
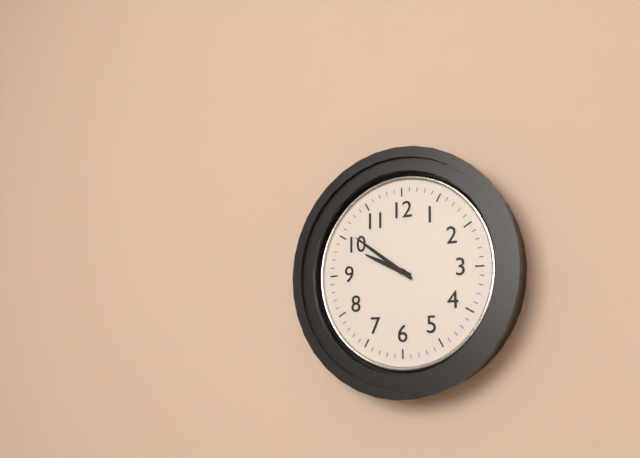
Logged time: 9,51
